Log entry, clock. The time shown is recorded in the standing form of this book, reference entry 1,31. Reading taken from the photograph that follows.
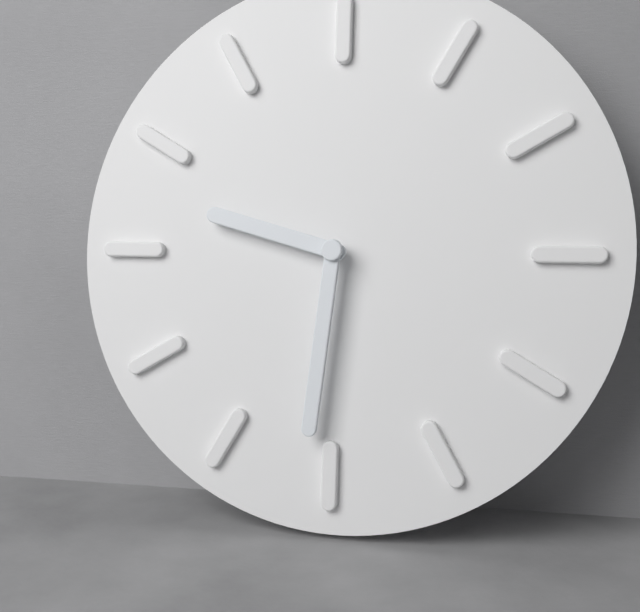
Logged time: 9,31
